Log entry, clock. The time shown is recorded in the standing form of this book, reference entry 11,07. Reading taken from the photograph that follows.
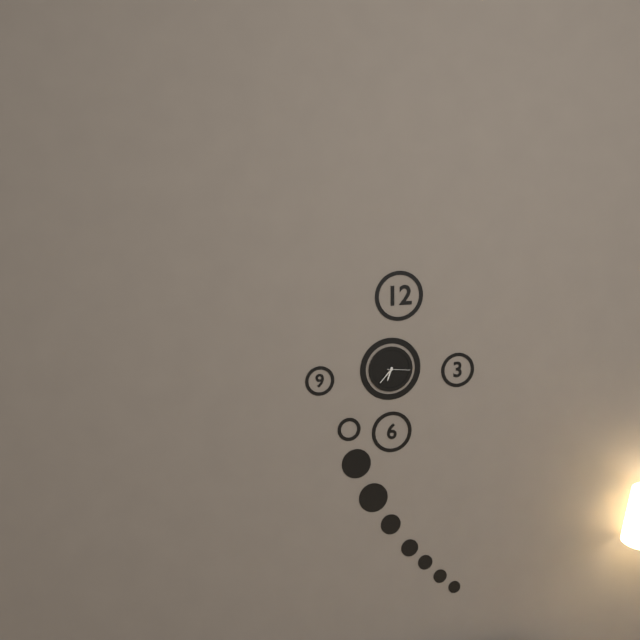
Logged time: 6,37
